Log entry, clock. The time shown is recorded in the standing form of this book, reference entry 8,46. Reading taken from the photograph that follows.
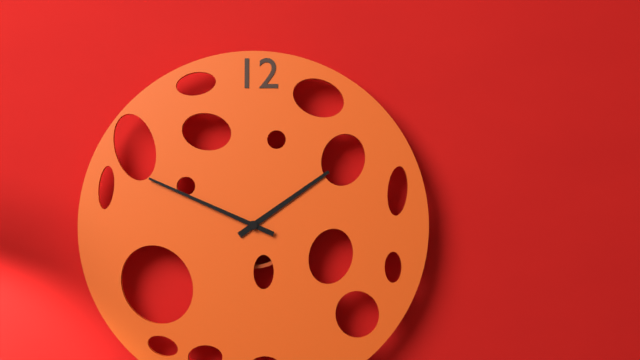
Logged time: 1,49
